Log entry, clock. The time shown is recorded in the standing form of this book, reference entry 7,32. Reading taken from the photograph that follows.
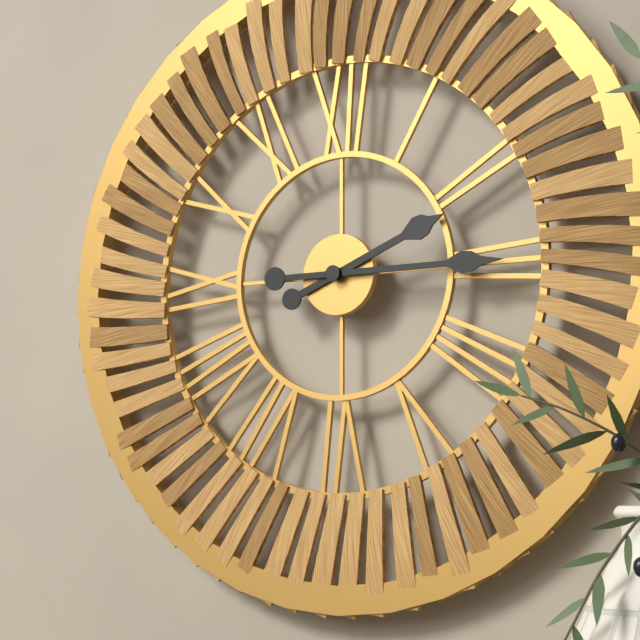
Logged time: 2,15
